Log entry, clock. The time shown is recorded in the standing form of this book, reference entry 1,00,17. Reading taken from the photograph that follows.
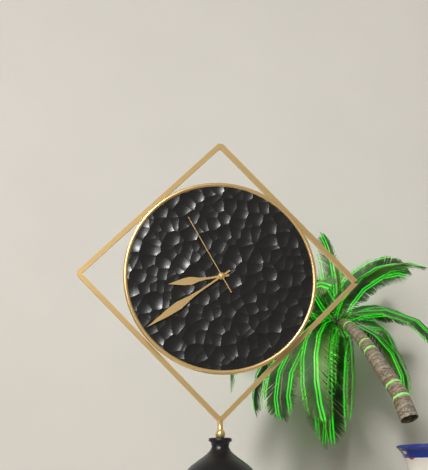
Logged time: 8,39,55
